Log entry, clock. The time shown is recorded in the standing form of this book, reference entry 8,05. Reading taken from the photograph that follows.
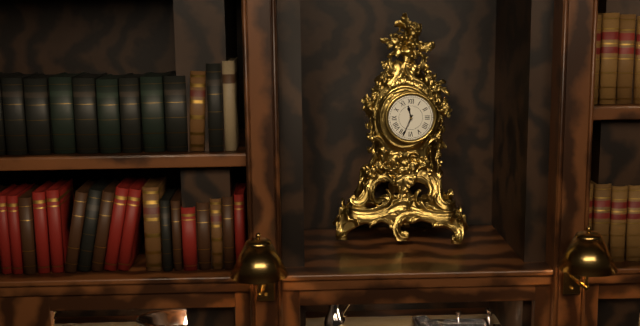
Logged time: 11,34
